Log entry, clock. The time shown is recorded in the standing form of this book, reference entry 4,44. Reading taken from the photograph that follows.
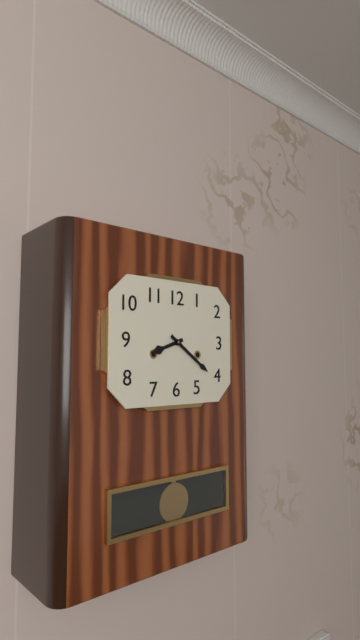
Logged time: 8,21
